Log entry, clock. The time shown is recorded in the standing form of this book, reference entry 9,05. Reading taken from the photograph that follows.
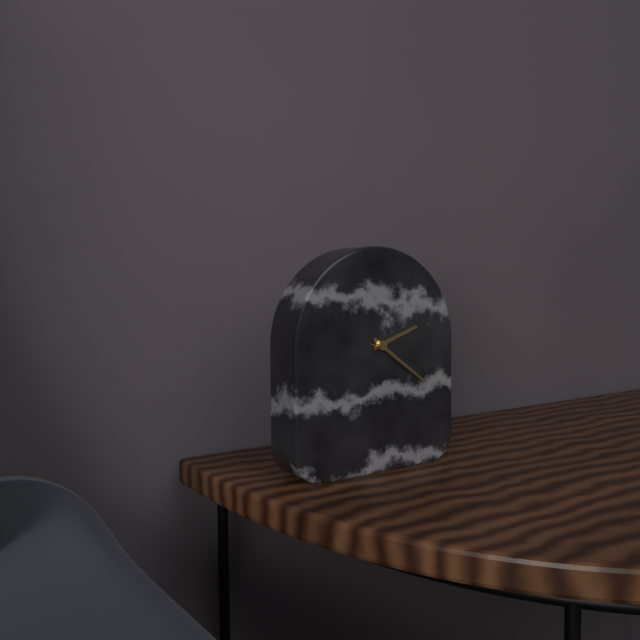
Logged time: 2,21
